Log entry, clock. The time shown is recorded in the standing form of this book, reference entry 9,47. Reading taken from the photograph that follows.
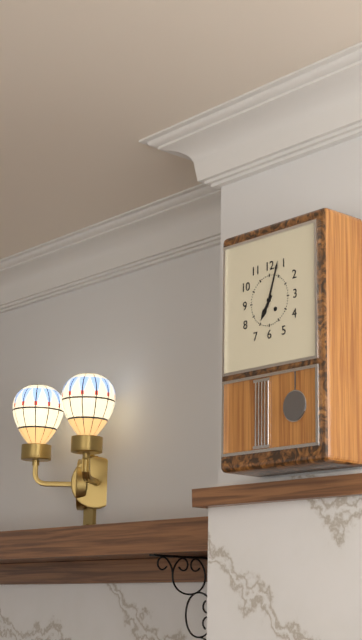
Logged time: 7,03
